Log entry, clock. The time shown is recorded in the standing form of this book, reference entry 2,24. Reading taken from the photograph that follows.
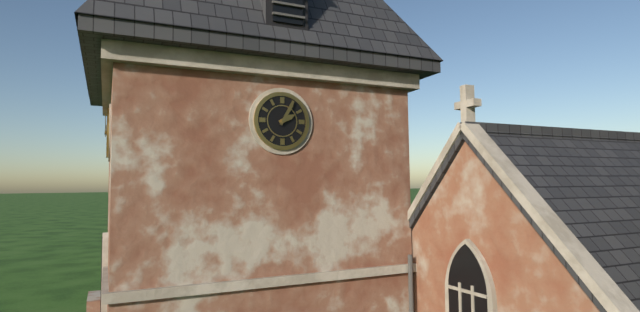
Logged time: 2,05
